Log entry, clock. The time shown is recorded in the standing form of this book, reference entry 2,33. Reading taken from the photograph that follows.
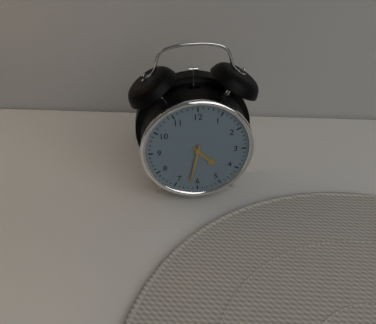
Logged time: 4,32
